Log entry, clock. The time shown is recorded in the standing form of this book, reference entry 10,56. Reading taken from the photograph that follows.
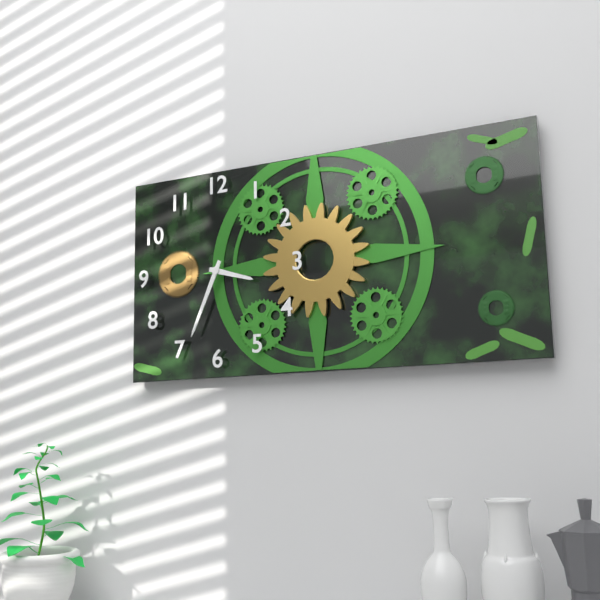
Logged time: 3,34
